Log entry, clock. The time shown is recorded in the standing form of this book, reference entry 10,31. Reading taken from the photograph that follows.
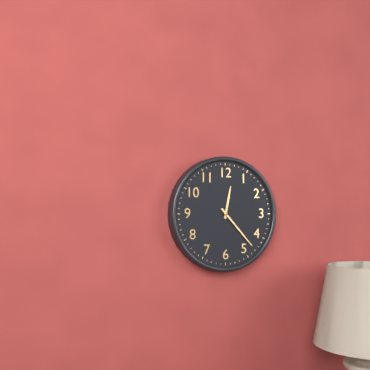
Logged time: 12,23
